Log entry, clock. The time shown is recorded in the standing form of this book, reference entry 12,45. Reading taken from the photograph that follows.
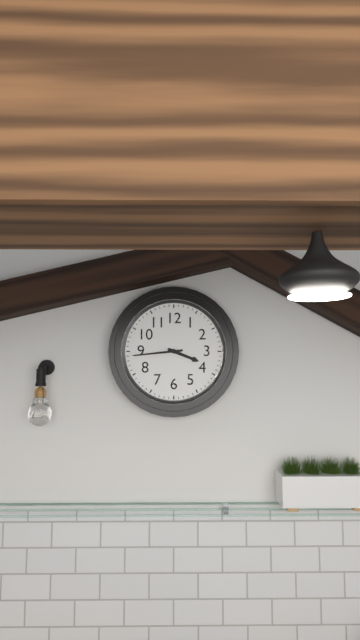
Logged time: 3,44
